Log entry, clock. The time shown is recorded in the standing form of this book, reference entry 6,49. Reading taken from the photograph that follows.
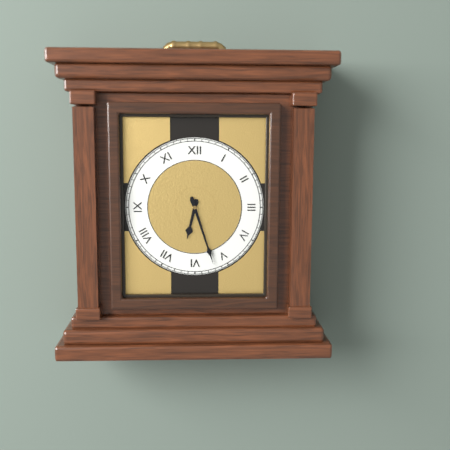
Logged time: 6,27
